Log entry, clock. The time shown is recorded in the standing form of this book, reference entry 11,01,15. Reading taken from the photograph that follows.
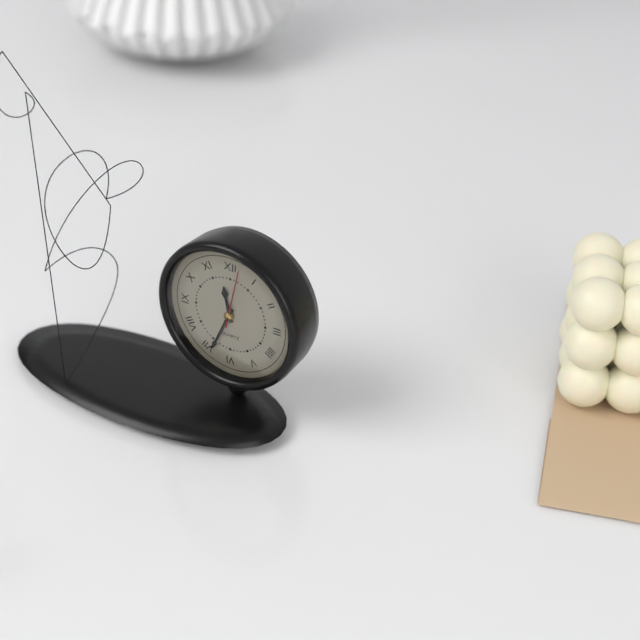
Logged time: 11,34,02
